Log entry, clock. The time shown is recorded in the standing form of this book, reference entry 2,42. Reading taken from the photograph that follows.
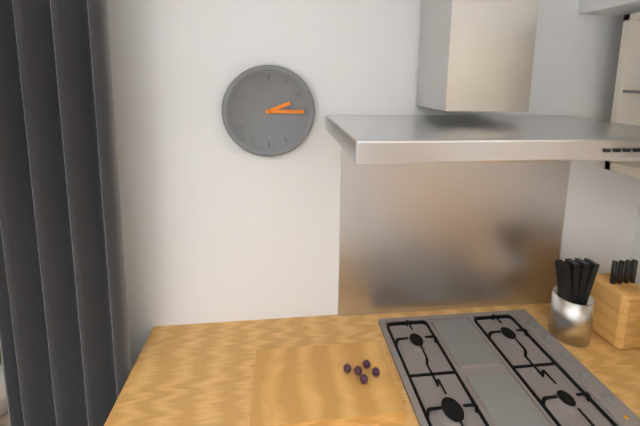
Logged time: 2,15
